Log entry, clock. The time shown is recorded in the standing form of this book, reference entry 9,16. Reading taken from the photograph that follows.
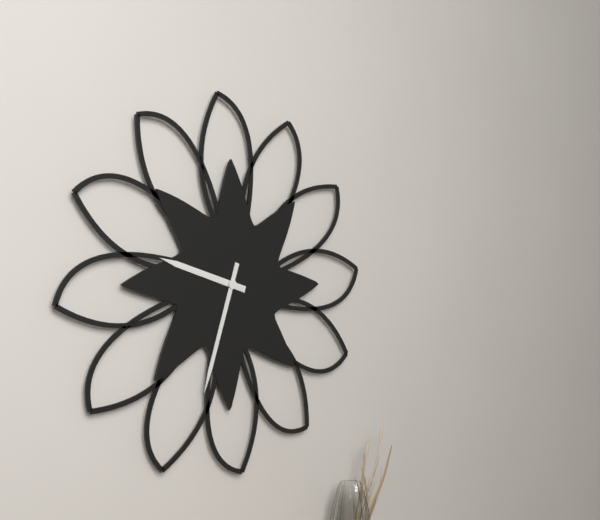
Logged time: 9,33
